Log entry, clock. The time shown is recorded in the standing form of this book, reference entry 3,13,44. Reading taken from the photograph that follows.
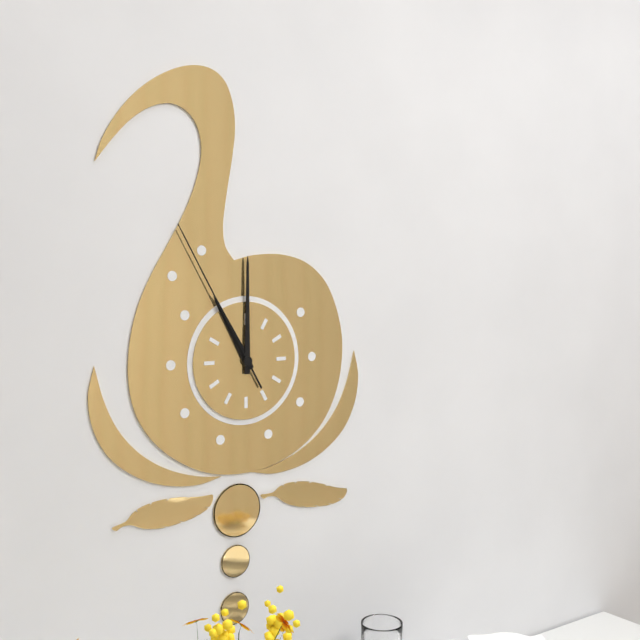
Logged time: 11,00,55
